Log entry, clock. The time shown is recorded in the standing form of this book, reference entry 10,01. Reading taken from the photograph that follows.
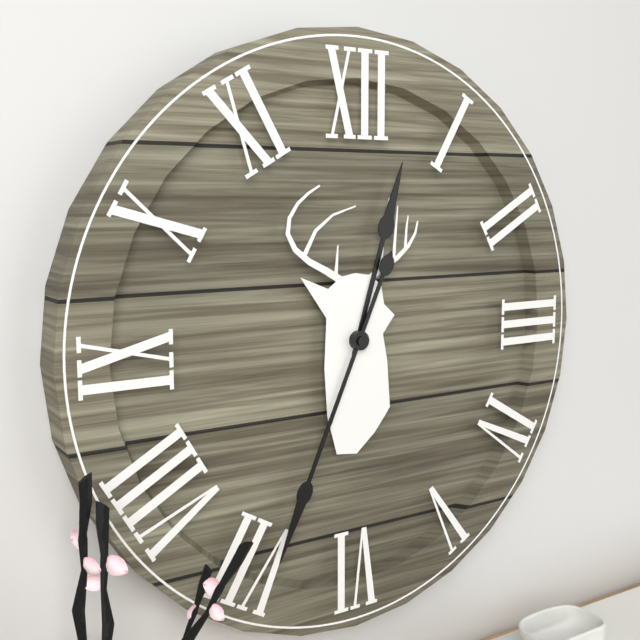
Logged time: 12,34
